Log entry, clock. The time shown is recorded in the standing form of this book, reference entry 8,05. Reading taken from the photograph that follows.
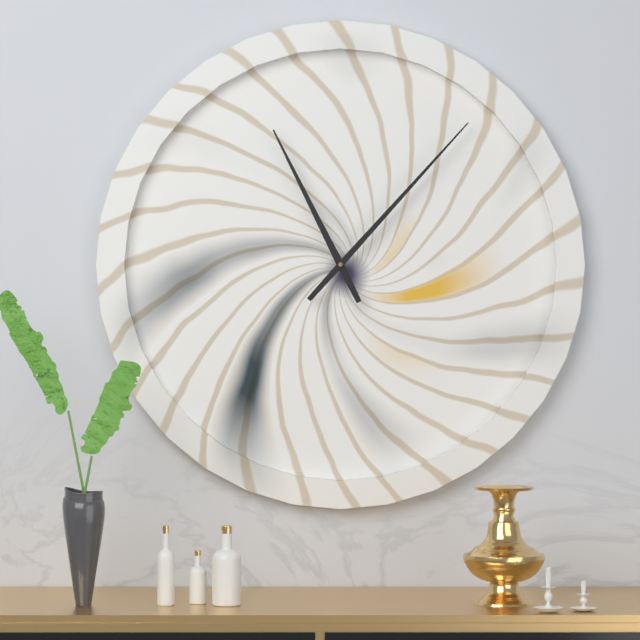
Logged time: 11,07
